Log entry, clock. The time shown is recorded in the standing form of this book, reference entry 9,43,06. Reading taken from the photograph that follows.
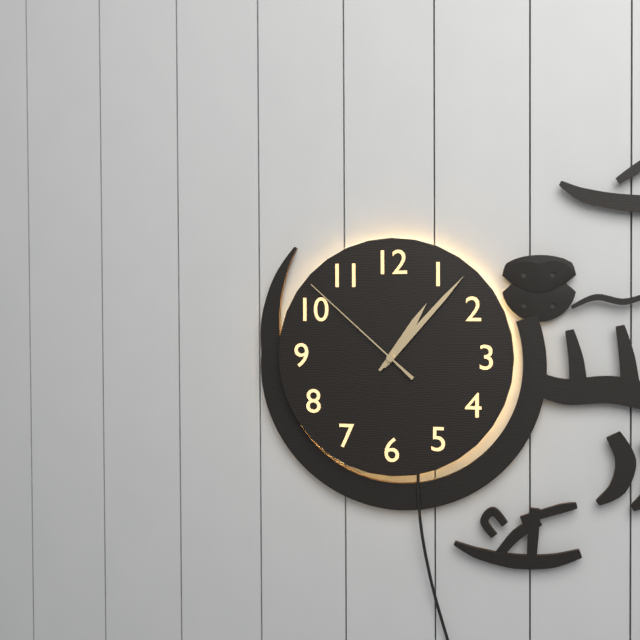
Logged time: 1,07,52
